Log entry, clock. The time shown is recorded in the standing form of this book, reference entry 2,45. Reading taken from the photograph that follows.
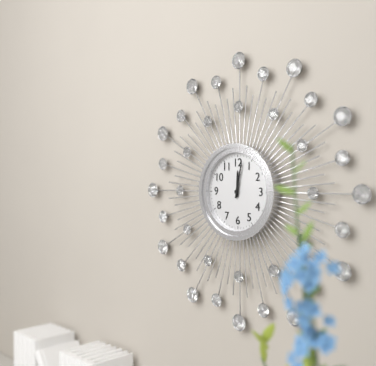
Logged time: 12,02
